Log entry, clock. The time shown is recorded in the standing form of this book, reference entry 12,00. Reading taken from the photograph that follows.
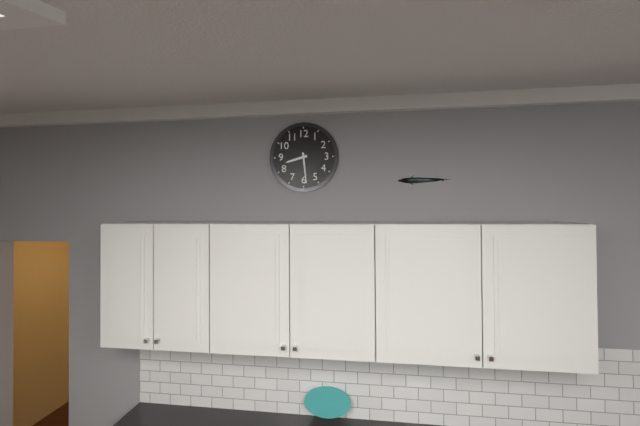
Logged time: 8,29
